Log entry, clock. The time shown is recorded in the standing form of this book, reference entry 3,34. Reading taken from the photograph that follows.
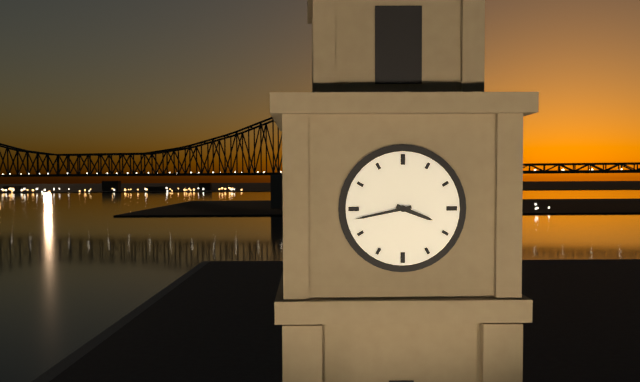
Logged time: 3,43
